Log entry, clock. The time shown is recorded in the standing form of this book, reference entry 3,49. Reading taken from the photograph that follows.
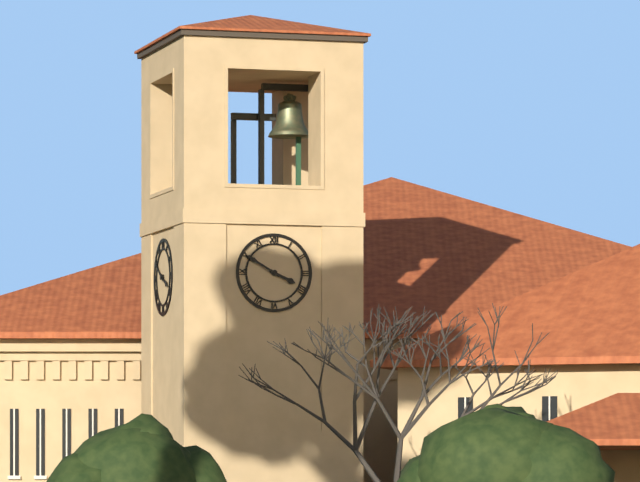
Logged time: 3,50
